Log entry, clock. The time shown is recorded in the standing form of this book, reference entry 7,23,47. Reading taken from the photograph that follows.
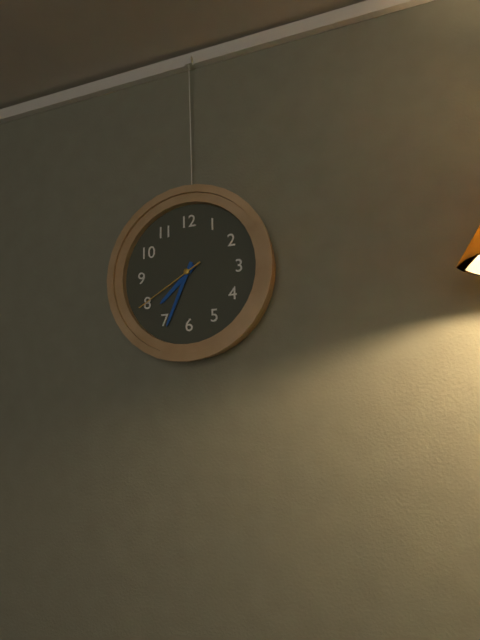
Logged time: 7,34,40
